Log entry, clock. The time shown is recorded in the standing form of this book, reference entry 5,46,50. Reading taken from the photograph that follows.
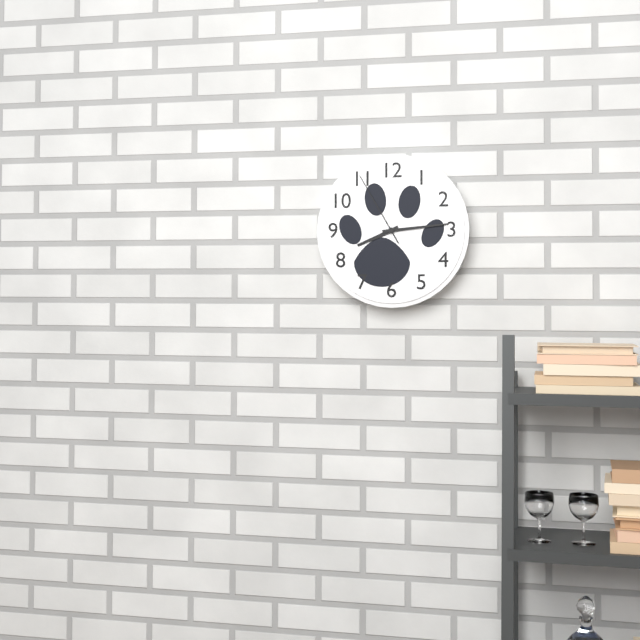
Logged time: 8,14,55
